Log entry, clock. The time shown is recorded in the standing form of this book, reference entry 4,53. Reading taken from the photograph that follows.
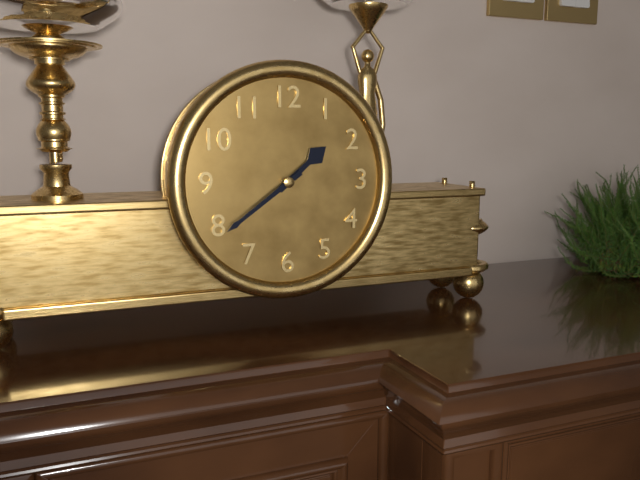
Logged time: 1,39
